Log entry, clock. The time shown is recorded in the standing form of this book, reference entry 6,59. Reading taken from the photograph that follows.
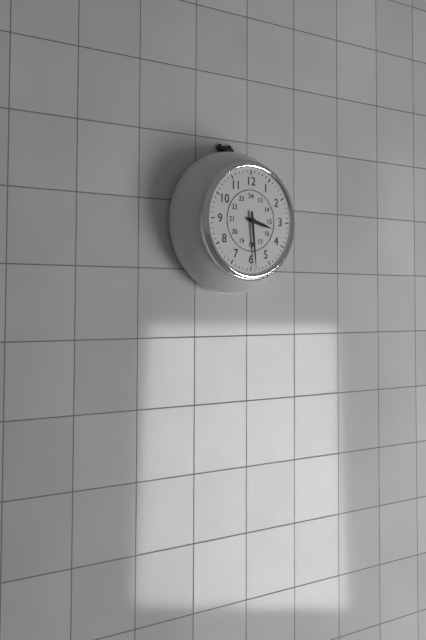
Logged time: 3,29
